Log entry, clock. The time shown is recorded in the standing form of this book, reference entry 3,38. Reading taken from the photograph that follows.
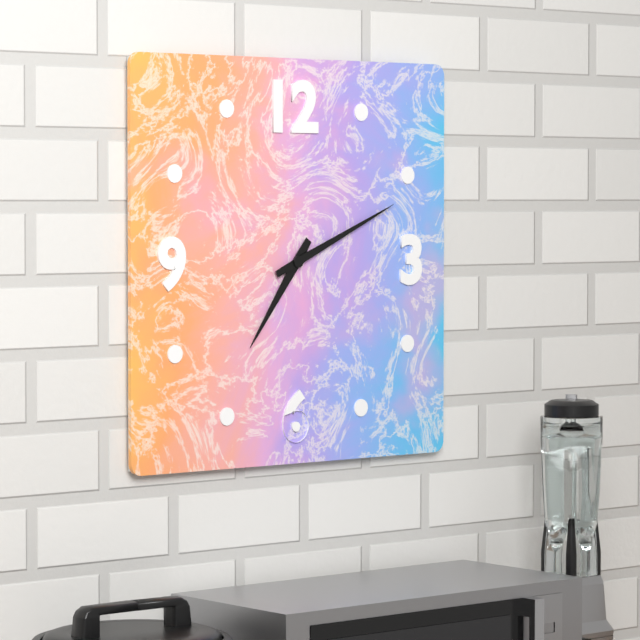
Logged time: 7,11
